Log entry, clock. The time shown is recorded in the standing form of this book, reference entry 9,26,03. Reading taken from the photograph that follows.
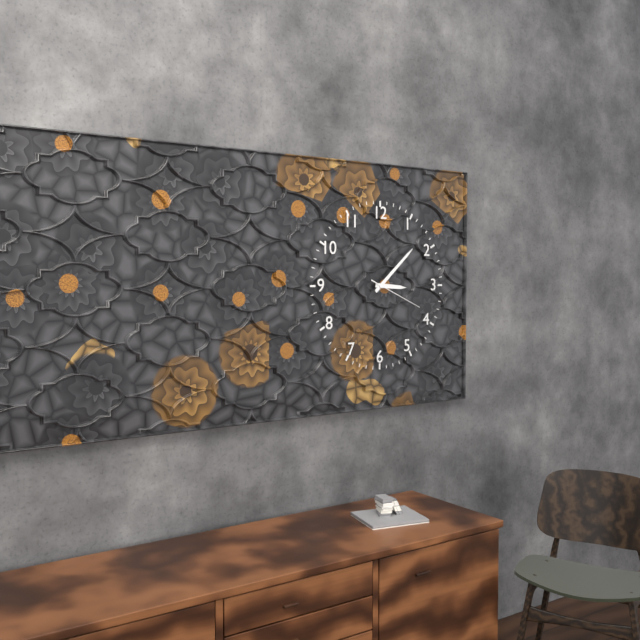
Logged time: 3,08,19
